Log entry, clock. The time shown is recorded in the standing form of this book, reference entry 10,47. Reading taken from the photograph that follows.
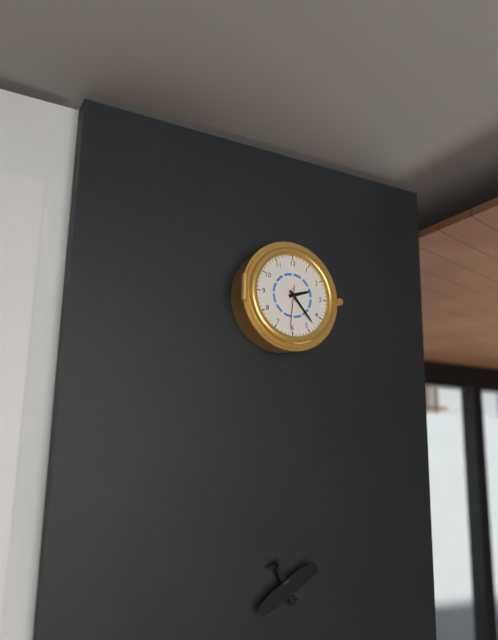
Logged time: 2,23
